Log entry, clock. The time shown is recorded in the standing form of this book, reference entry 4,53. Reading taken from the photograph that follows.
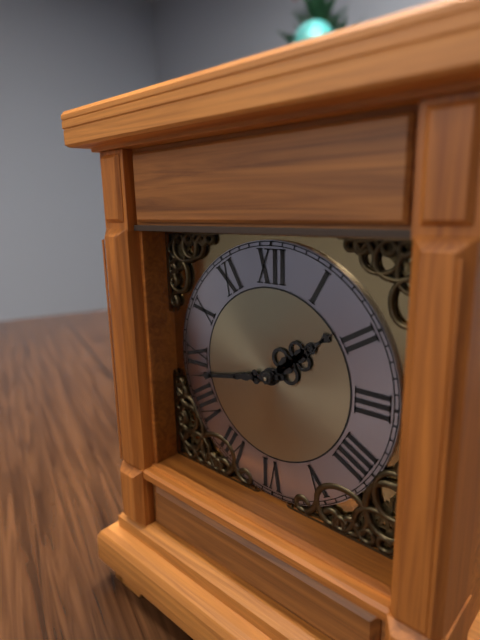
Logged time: 1,43
